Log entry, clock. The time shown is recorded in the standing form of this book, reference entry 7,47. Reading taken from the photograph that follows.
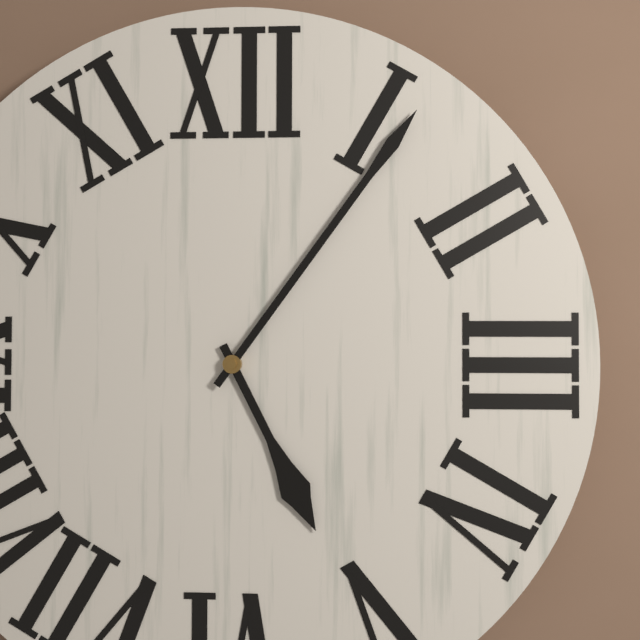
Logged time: 5,06
